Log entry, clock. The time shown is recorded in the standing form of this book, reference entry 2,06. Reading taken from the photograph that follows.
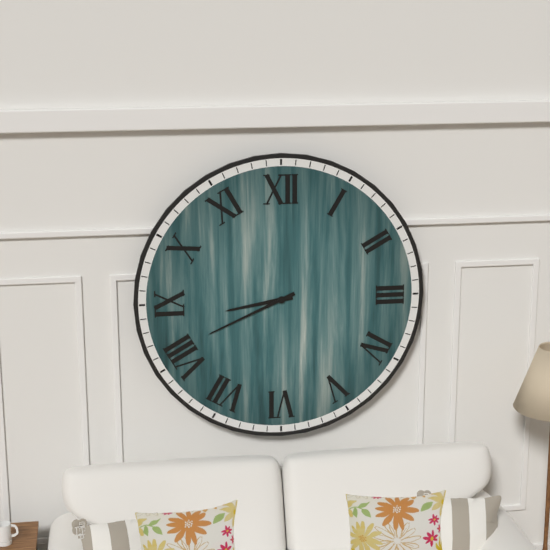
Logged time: 8,41
